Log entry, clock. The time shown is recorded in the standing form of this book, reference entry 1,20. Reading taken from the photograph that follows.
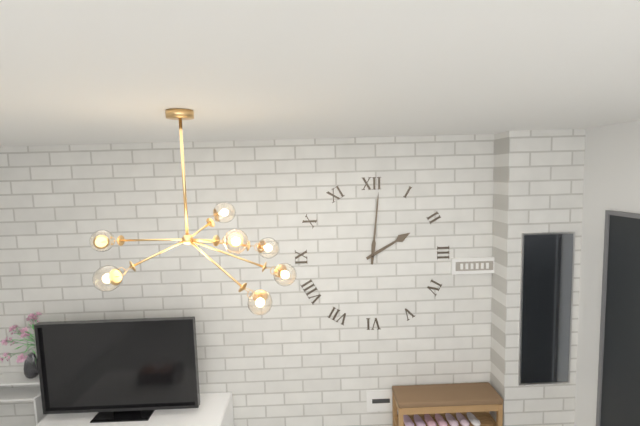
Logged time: 2,01
